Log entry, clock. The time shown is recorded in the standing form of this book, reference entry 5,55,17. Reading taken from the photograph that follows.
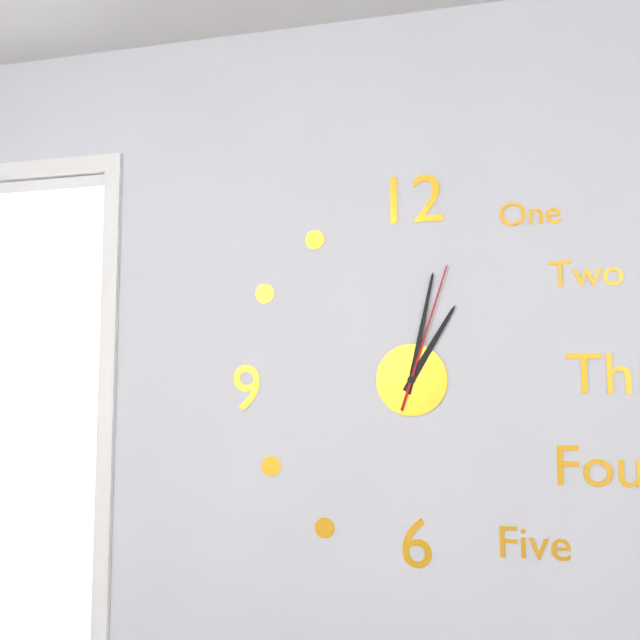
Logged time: 1,02,03
